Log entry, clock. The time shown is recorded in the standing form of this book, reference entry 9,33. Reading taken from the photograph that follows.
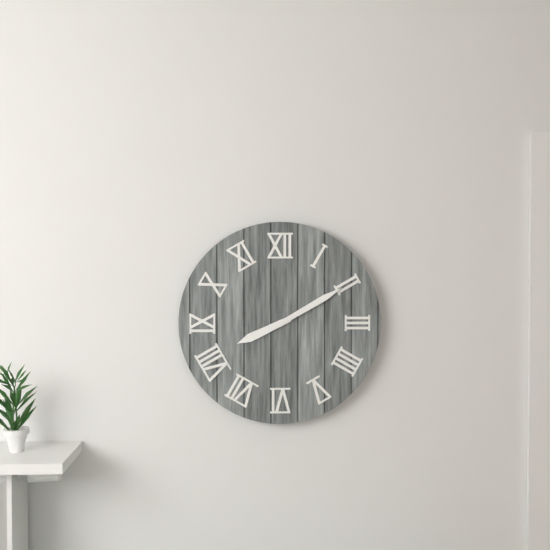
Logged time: 8,10
